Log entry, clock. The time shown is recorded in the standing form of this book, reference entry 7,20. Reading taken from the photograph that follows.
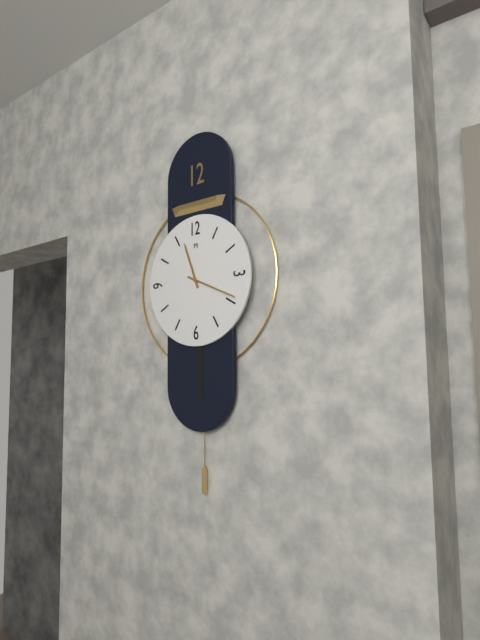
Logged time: 11,19
